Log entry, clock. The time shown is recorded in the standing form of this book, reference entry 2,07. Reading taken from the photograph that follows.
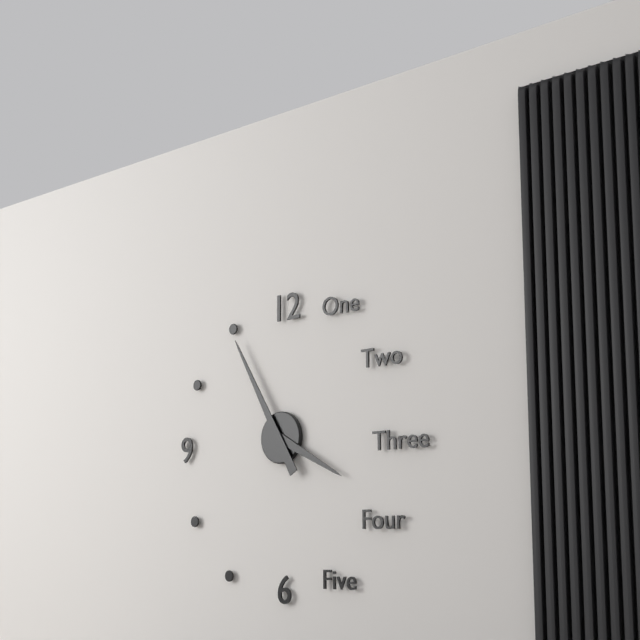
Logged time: 3,55
